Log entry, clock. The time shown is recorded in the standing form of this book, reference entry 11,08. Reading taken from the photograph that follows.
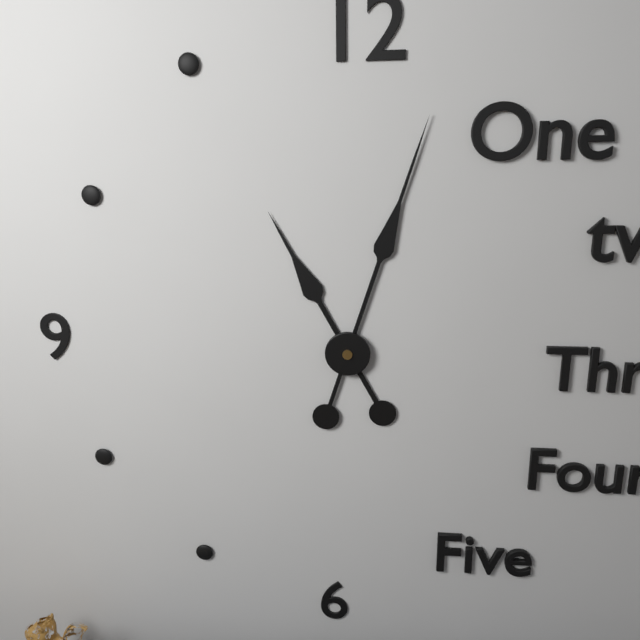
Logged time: 11,03
